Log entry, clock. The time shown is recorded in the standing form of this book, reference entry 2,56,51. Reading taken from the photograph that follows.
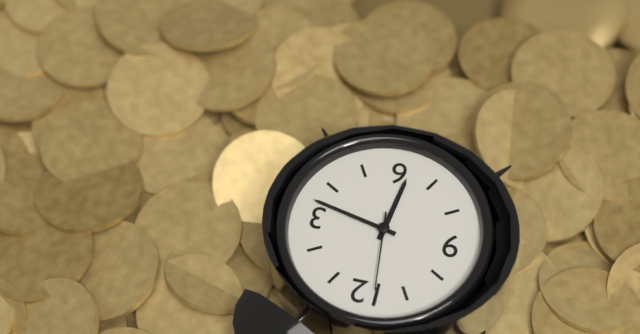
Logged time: 6,17,59
